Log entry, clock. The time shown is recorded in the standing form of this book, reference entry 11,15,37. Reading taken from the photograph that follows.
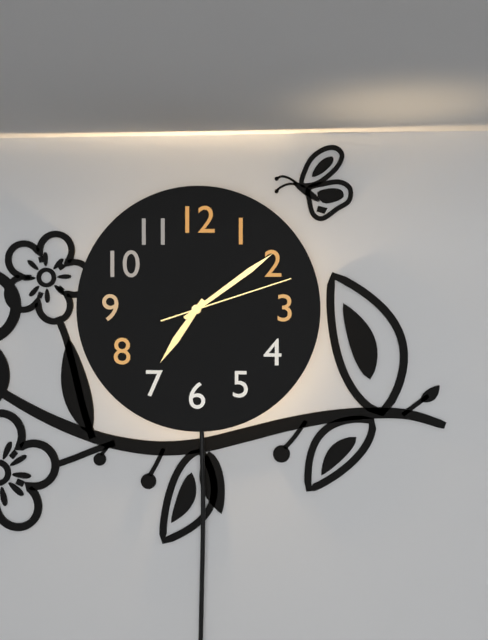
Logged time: 7,09,12
